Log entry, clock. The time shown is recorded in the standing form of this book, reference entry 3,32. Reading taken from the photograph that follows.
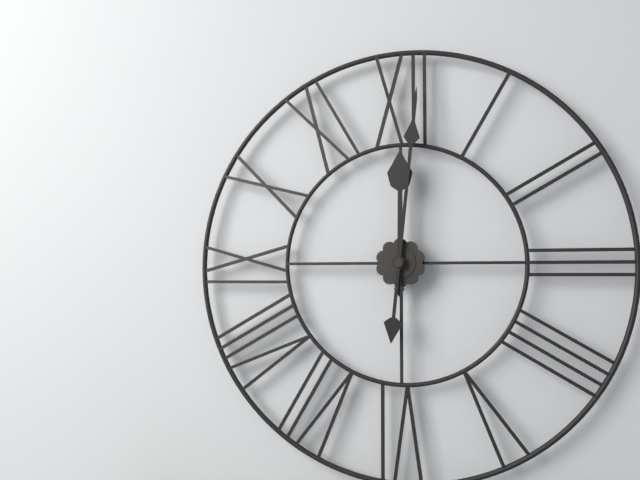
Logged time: 12,01
